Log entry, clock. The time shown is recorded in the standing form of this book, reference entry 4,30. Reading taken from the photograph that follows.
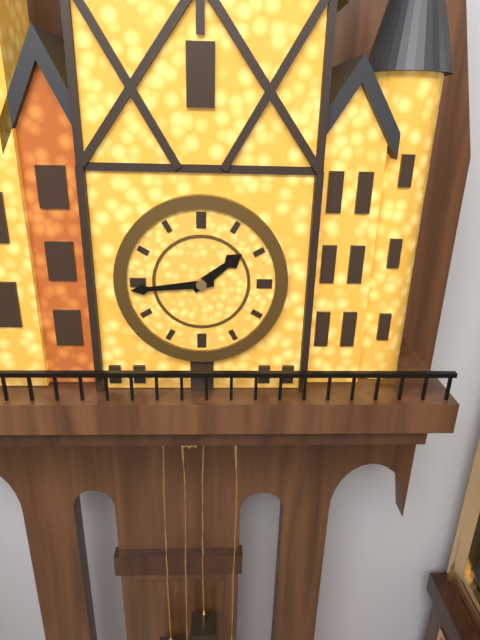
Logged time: 1,44
